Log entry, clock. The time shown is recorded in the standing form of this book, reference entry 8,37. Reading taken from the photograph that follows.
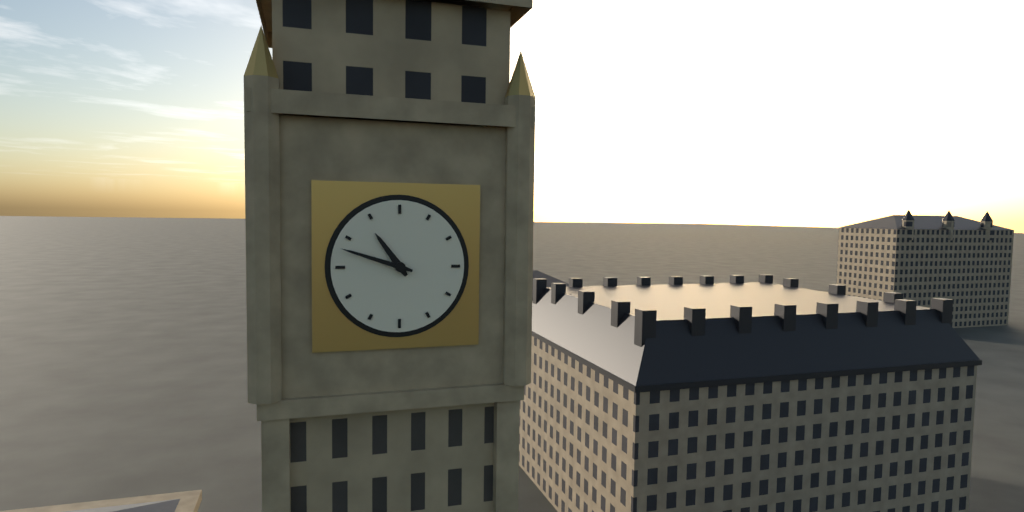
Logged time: 10,48
